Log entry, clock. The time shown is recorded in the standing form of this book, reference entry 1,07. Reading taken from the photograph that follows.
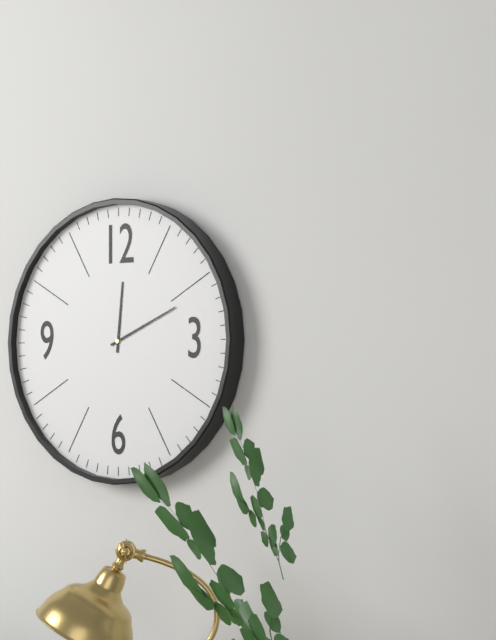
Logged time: 12,11
